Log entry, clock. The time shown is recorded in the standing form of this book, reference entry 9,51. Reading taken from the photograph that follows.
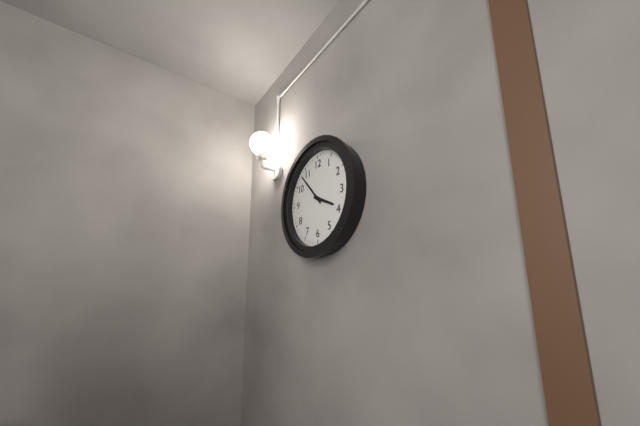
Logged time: 3,53
